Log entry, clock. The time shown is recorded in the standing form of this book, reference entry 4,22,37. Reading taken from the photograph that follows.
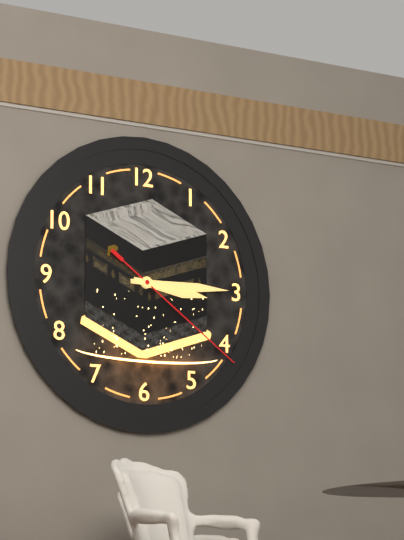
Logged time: 3,15,21
